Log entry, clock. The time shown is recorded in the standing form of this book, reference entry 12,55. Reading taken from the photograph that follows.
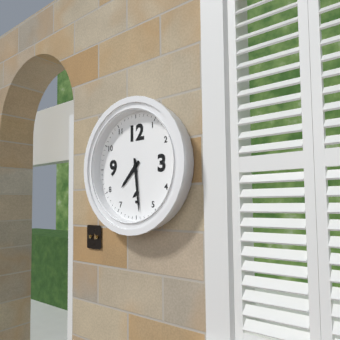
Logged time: 7,29
